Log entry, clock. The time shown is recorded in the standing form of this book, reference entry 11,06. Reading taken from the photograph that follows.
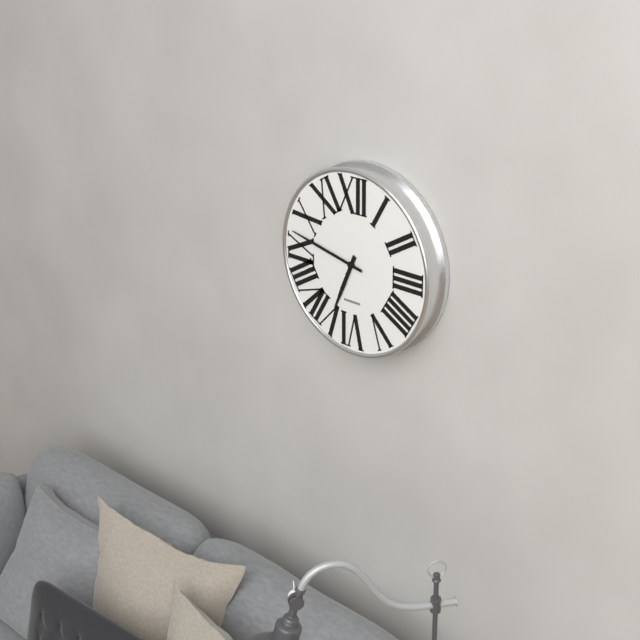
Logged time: 6,47
